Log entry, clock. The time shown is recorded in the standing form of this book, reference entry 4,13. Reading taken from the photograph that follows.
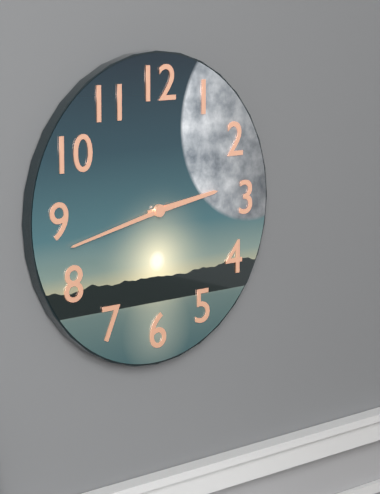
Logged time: 2,43
